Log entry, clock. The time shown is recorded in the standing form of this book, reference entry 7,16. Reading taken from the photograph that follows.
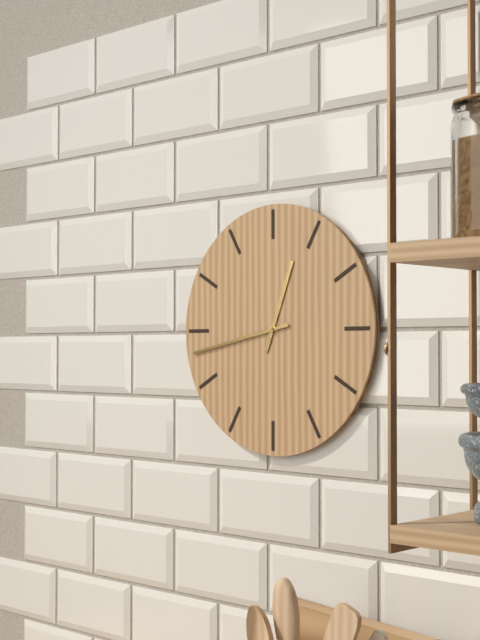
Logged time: 12,43
